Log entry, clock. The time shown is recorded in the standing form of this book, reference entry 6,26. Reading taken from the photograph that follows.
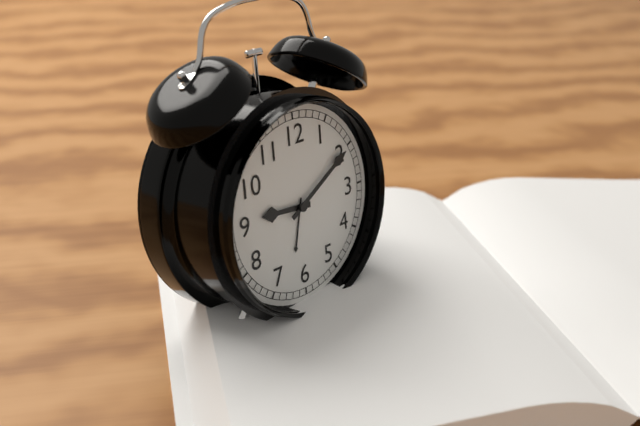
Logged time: 9,10
